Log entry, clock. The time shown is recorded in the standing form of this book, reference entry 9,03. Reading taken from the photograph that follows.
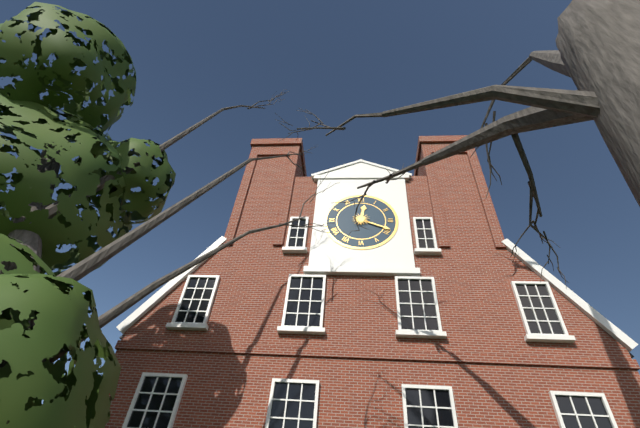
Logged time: 12,19
